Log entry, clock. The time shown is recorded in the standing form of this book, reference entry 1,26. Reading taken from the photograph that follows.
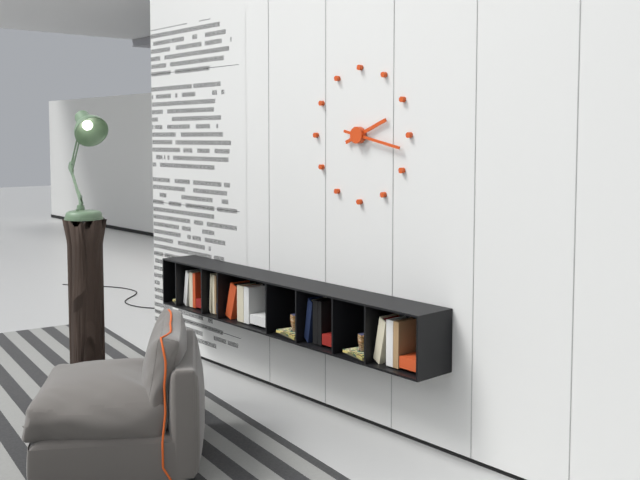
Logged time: 2,17
